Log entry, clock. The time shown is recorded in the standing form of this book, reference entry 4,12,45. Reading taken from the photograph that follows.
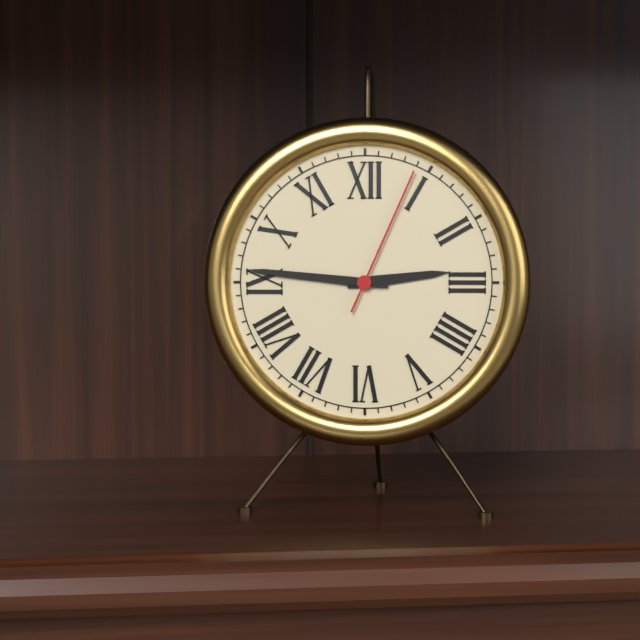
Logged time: 2,46,04
